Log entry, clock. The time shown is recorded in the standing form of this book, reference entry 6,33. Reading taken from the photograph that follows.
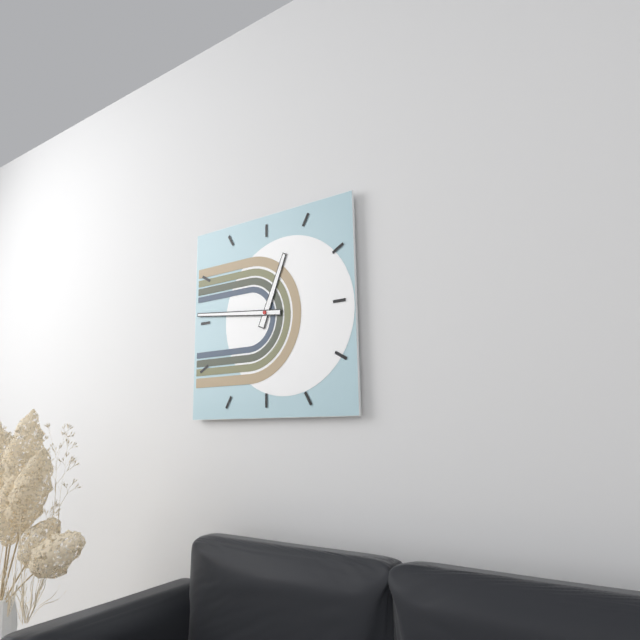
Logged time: 12,46
